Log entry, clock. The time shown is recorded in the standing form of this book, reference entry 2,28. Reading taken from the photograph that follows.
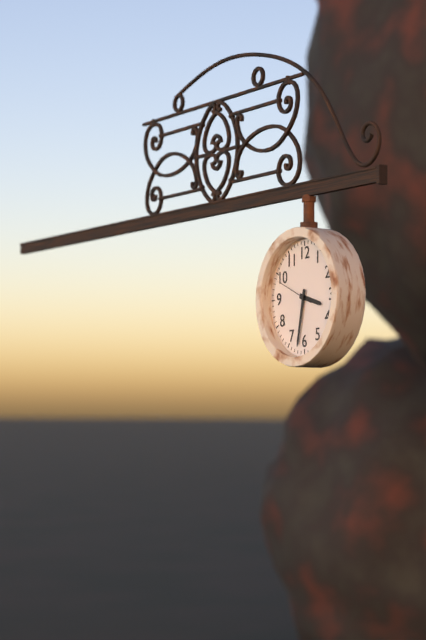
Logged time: 3,32
